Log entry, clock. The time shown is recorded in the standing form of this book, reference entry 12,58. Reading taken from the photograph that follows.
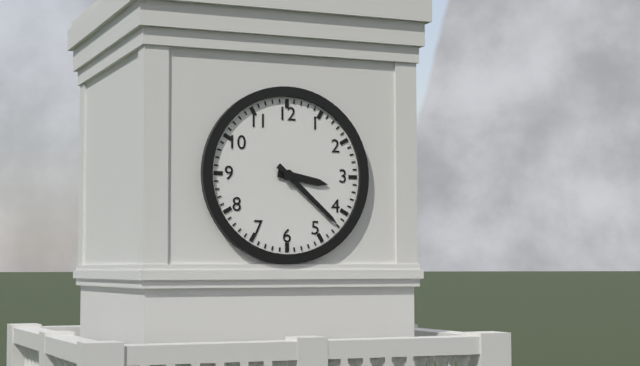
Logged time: 3,22
